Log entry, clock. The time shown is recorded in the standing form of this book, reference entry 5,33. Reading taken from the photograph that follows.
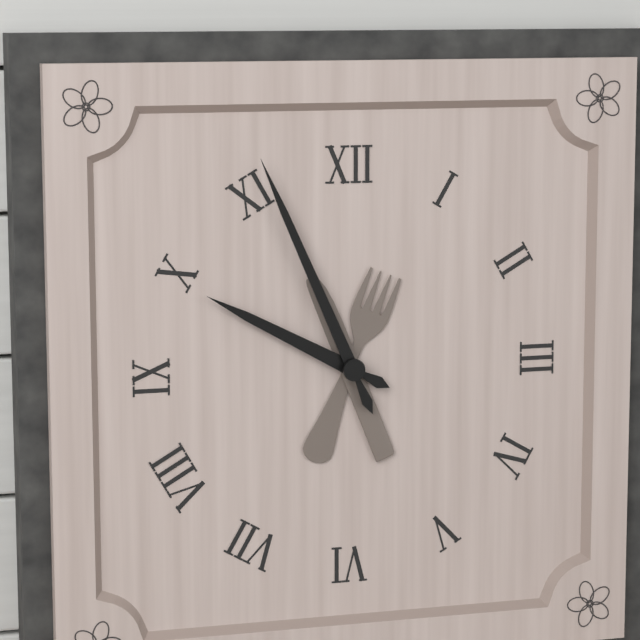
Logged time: 9,56
